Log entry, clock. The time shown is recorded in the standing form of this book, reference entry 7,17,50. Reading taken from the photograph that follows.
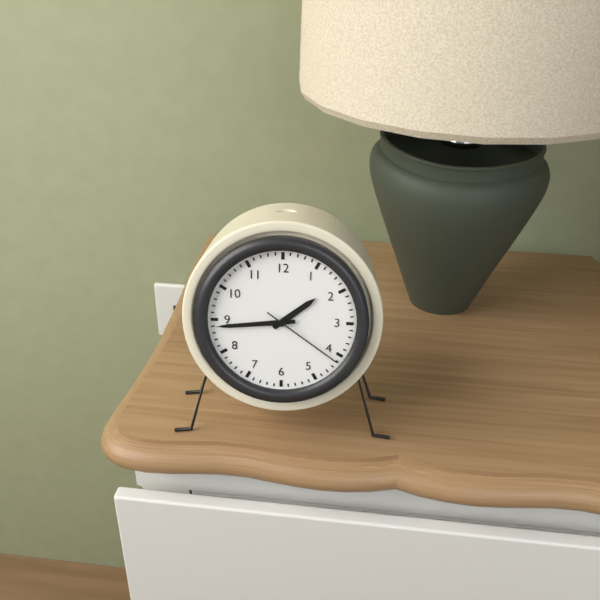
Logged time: 1,44,21
